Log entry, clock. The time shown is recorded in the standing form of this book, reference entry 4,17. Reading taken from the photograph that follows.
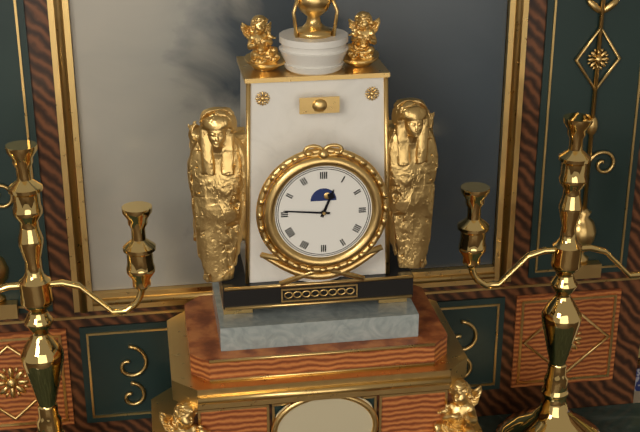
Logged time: 12,46
